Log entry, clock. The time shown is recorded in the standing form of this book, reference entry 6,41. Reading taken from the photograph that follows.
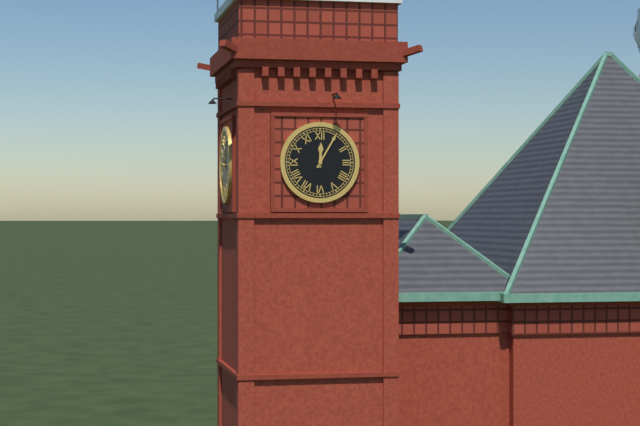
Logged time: 12,05
